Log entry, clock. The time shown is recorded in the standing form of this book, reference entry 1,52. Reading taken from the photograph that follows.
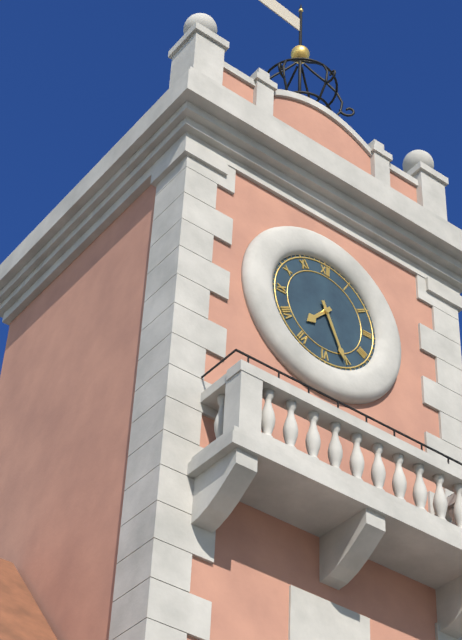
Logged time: 7,26
